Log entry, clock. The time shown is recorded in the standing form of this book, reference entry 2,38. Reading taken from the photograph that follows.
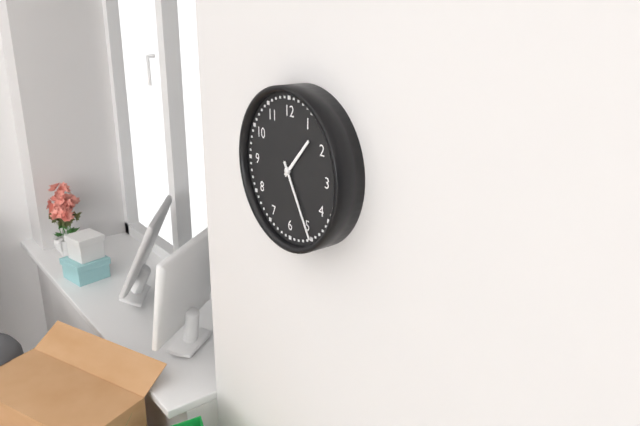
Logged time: 1,25
